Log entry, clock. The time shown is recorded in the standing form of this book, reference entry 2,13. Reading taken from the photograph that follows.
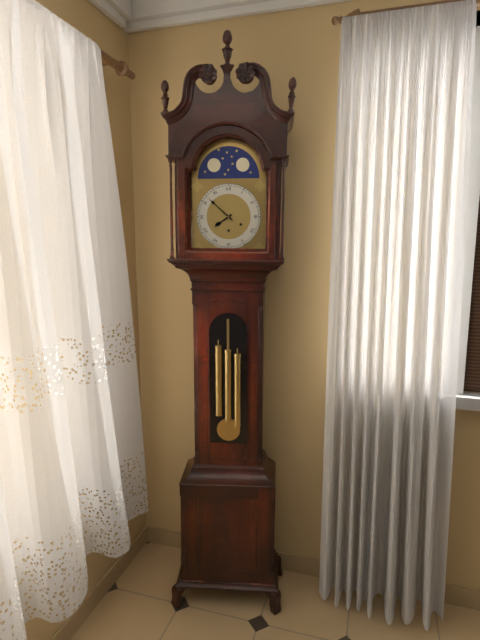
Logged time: 7,52
